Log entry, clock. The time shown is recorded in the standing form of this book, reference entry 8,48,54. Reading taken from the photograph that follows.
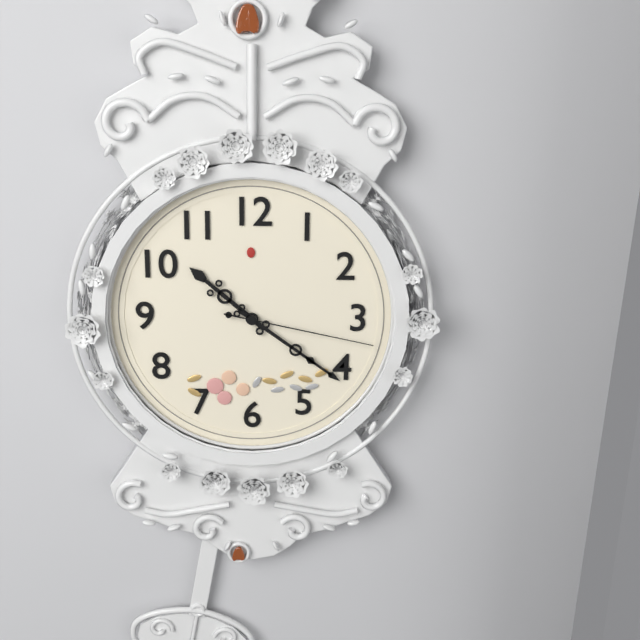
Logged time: 10,21,17
